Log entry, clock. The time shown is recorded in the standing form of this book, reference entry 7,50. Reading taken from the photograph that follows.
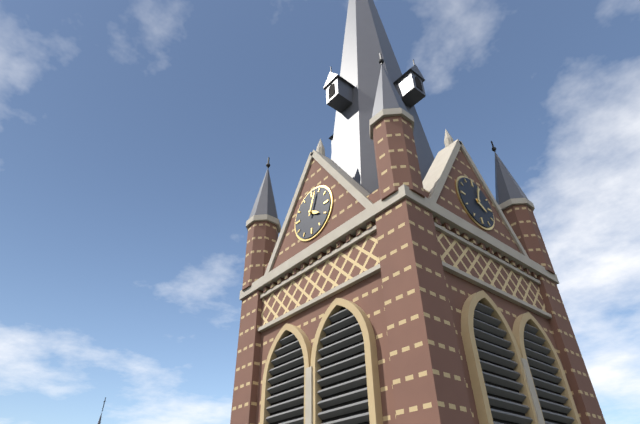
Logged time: 4,03
